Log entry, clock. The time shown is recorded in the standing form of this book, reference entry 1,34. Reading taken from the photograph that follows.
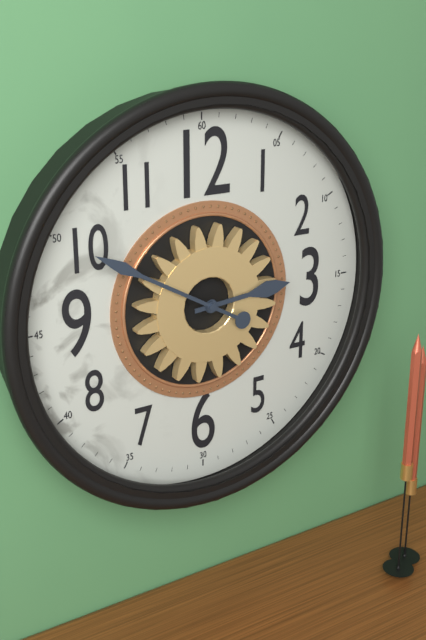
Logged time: 2,50
